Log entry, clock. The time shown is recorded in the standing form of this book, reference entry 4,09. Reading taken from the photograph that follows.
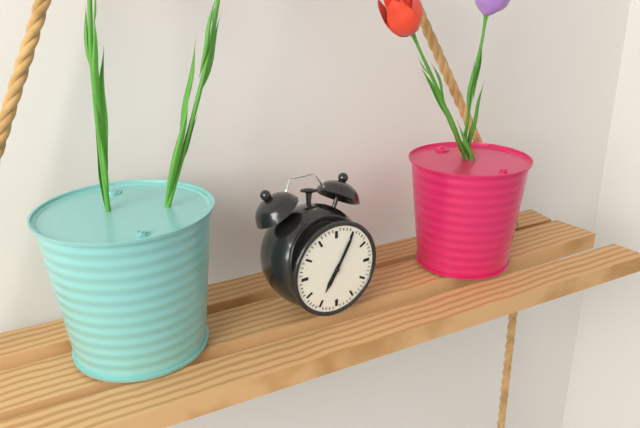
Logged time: 7,05
